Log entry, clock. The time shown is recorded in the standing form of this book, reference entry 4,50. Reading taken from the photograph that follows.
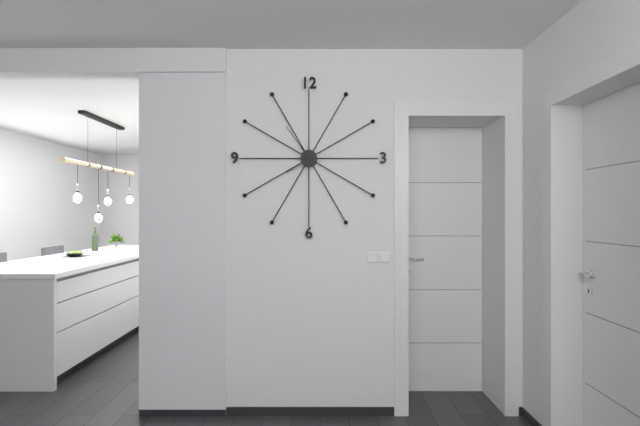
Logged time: 7,54
